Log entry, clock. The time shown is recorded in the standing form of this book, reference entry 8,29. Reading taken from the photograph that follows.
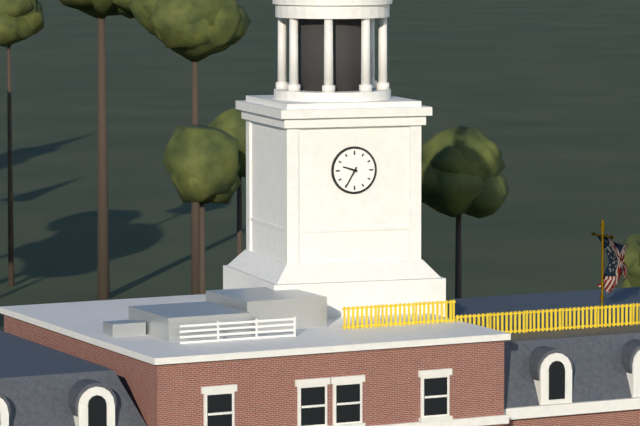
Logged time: 9,35
